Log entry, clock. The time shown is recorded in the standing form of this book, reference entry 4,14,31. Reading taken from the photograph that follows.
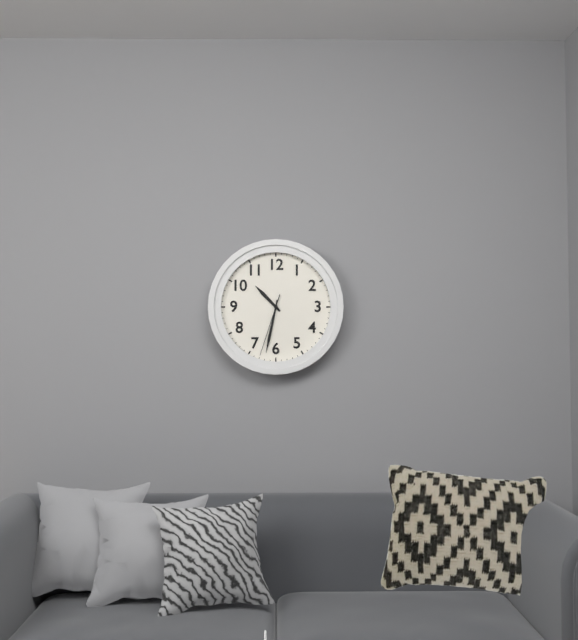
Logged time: 10,32,33
